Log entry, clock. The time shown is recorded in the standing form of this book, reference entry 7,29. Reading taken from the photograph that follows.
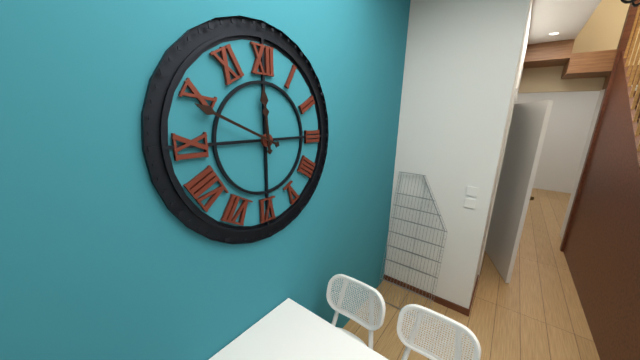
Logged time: 11,49
